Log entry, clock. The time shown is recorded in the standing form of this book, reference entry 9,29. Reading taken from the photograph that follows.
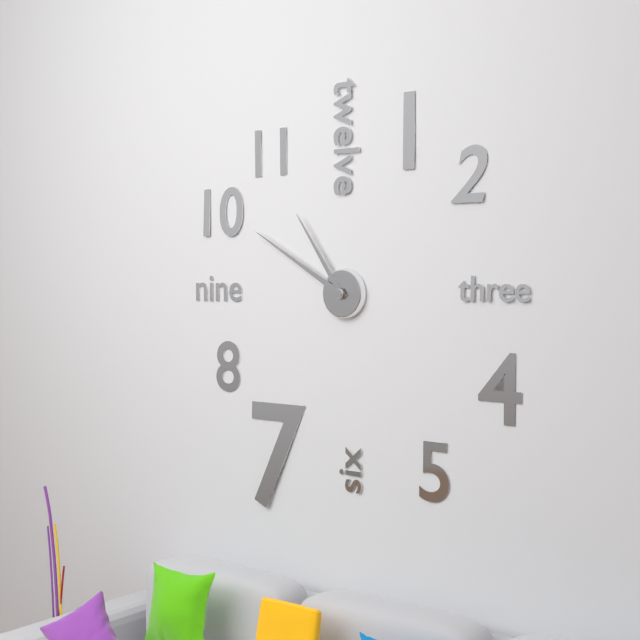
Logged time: 10,50
